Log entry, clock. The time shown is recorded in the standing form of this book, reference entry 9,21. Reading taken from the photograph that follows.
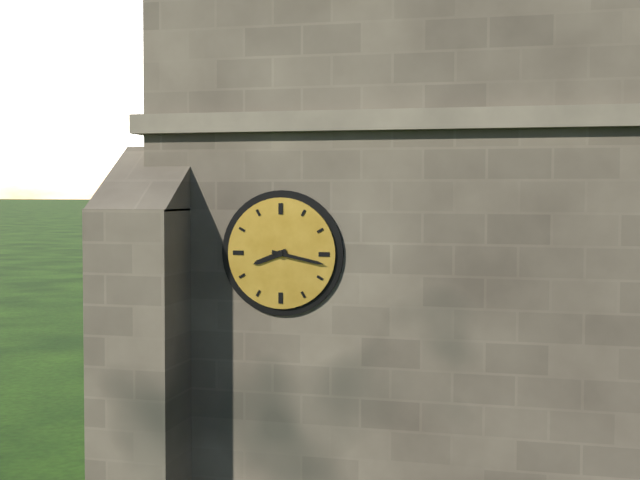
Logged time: 8,17
